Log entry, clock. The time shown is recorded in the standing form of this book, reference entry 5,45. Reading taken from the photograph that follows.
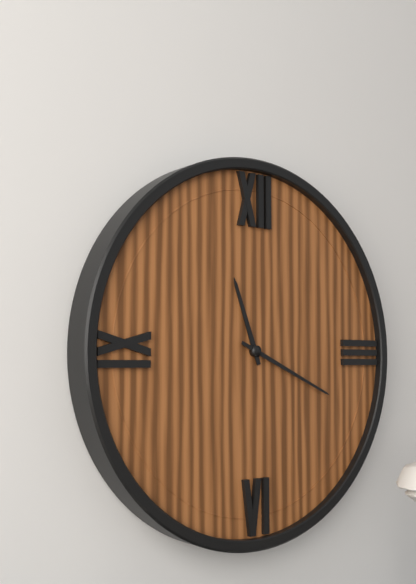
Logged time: 11,19
